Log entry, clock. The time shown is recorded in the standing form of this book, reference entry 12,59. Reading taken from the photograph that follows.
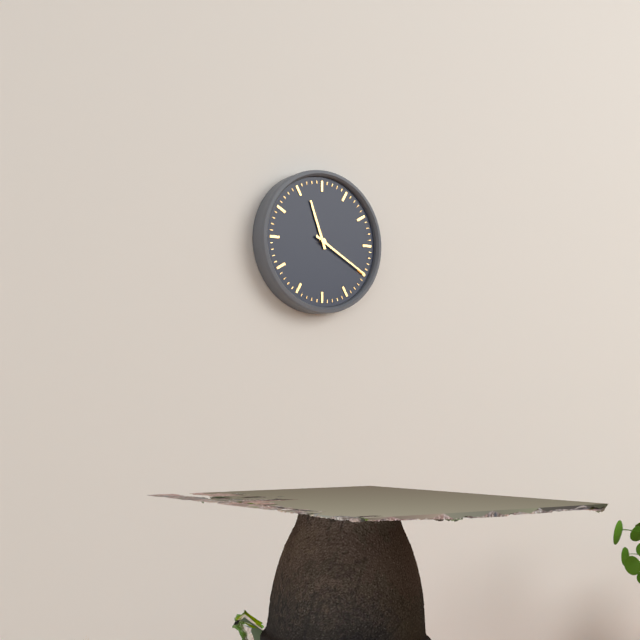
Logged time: 11,20
